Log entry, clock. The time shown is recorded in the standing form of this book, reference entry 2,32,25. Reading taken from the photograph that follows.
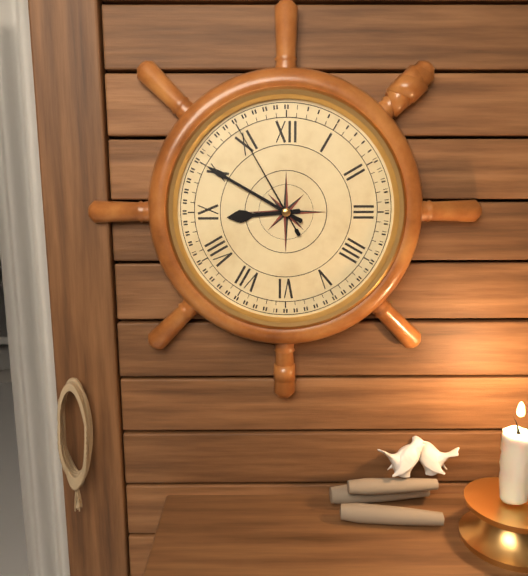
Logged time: 8,50,55
